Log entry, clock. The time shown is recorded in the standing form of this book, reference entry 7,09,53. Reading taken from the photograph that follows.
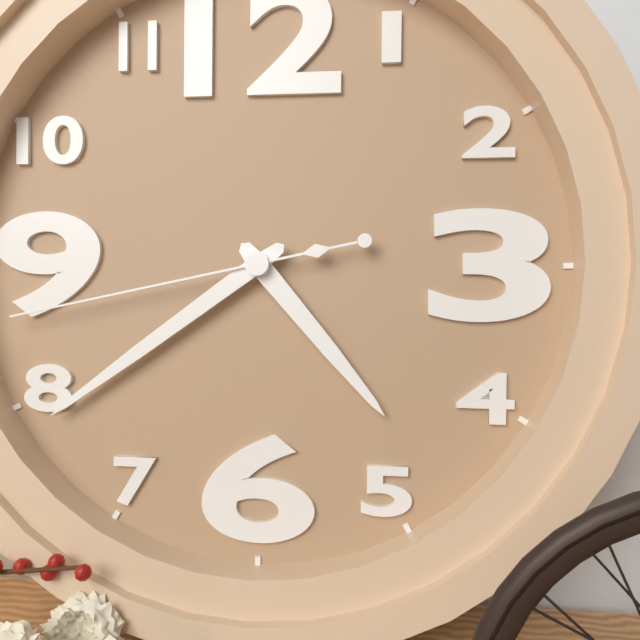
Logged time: 4,39,43
